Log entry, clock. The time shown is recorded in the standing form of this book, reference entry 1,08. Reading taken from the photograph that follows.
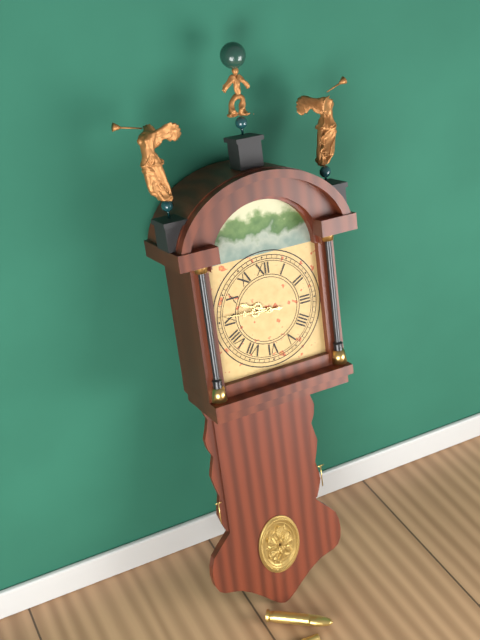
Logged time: 9,46
